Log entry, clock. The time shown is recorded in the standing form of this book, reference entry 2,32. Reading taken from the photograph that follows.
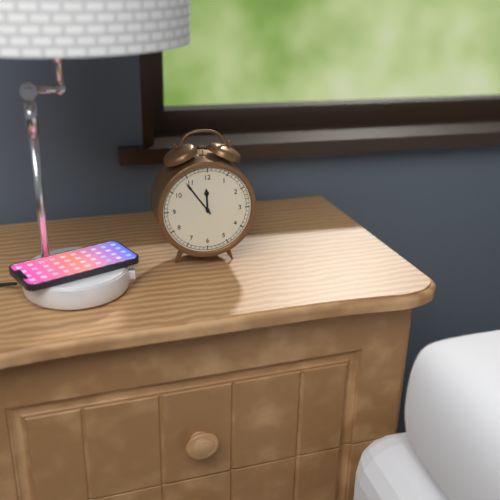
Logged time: 11,54
